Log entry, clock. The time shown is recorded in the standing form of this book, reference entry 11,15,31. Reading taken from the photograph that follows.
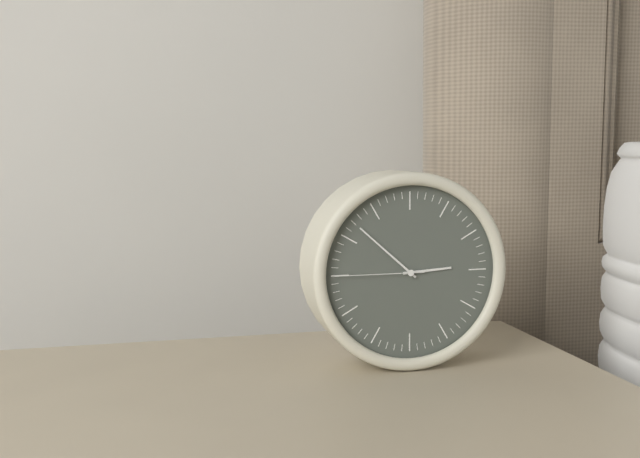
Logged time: 2,52,45
